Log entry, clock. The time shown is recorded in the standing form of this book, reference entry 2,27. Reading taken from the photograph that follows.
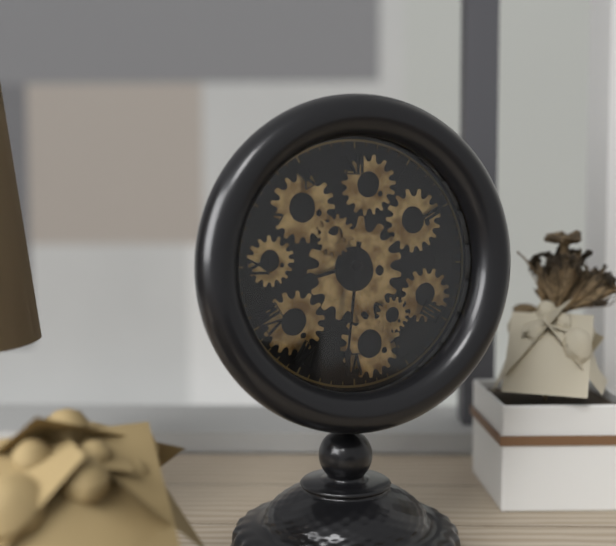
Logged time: 8,31
